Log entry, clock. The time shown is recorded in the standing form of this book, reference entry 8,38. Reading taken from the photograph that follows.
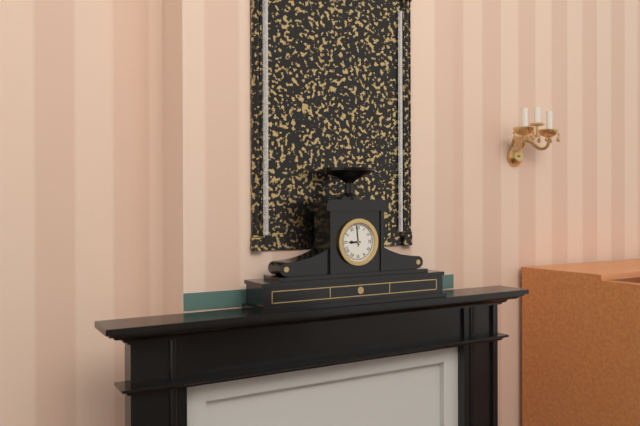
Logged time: 8,59
